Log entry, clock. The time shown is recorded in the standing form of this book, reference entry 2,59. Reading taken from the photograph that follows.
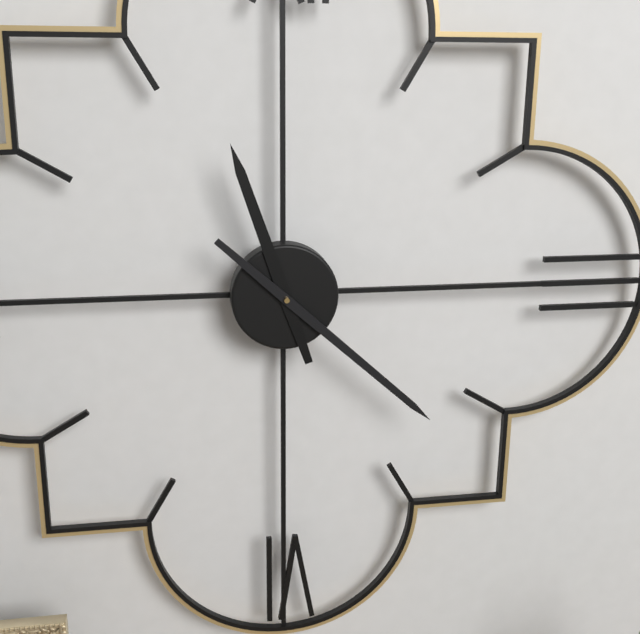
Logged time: 11,22
